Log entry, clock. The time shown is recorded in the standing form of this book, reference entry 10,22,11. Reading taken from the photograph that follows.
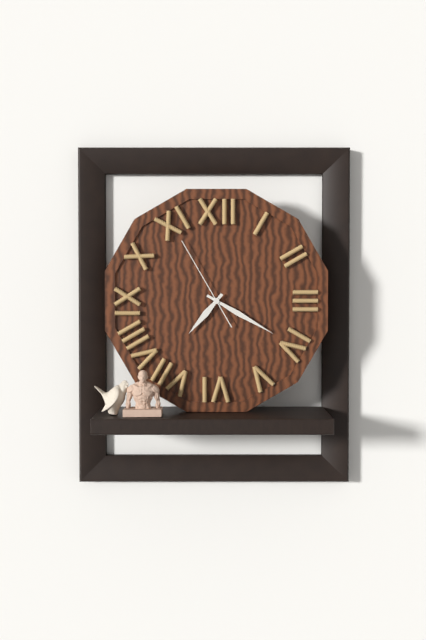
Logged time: 7,20,55
